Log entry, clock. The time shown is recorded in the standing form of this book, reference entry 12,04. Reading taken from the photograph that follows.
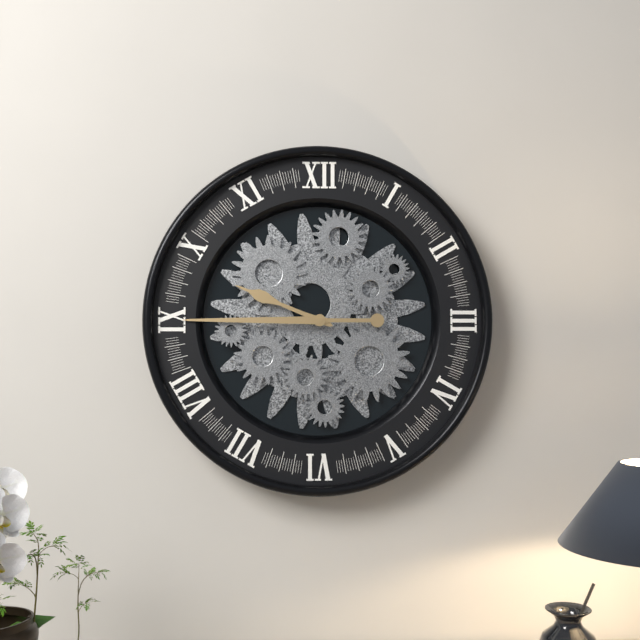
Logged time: 9,45
